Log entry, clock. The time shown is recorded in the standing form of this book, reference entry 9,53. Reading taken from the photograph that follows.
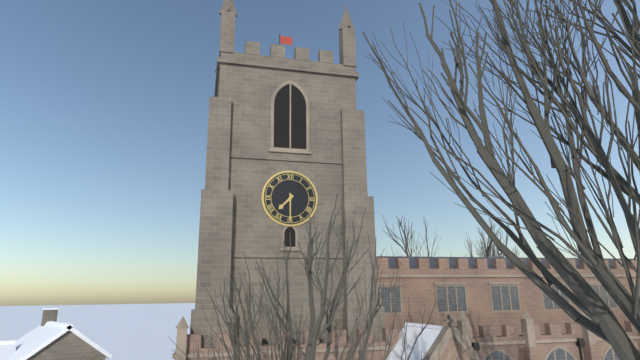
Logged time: 7,30
